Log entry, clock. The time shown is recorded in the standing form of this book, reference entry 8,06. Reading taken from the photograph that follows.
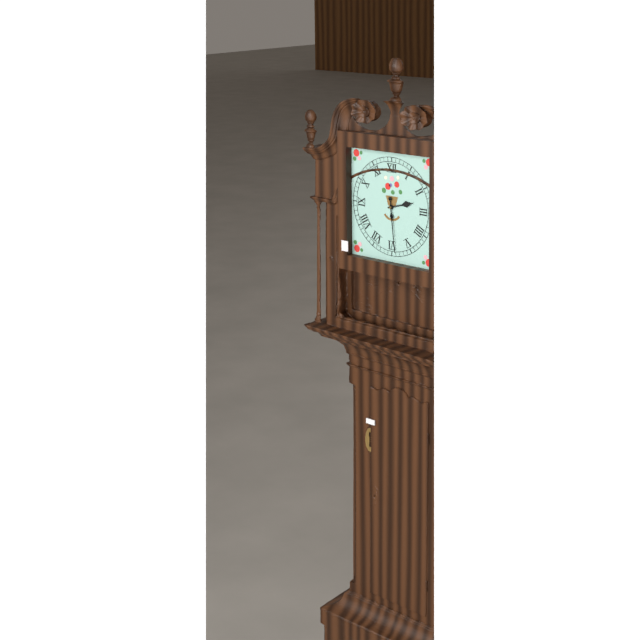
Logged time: 2,29
